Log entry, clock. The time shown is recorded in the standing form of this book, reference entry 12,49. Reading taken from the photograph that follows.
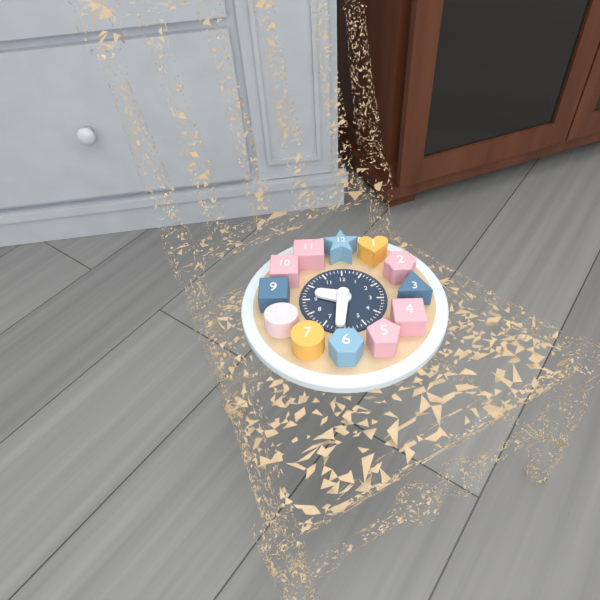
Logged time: 9,31
